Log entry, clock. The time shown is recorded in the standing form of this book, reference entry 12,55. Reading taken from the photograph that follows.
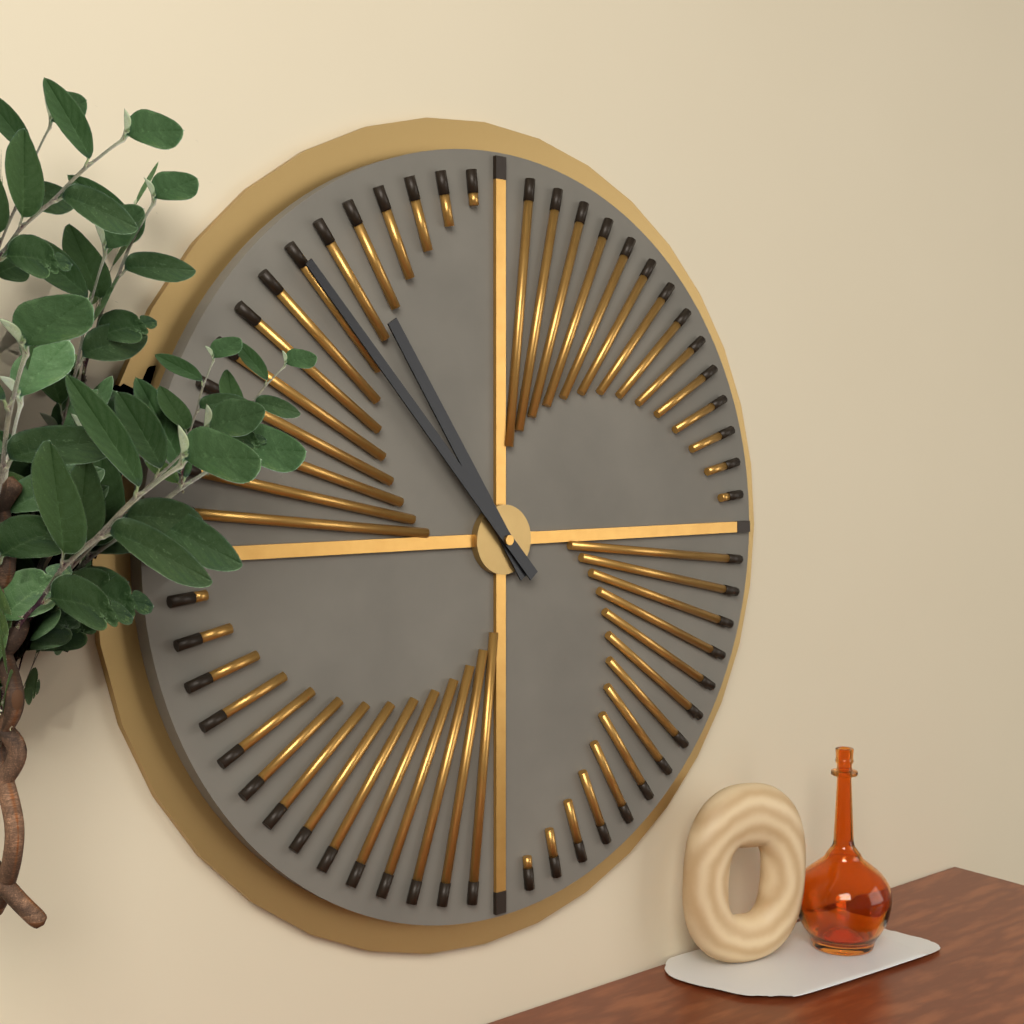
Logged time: 10,53
